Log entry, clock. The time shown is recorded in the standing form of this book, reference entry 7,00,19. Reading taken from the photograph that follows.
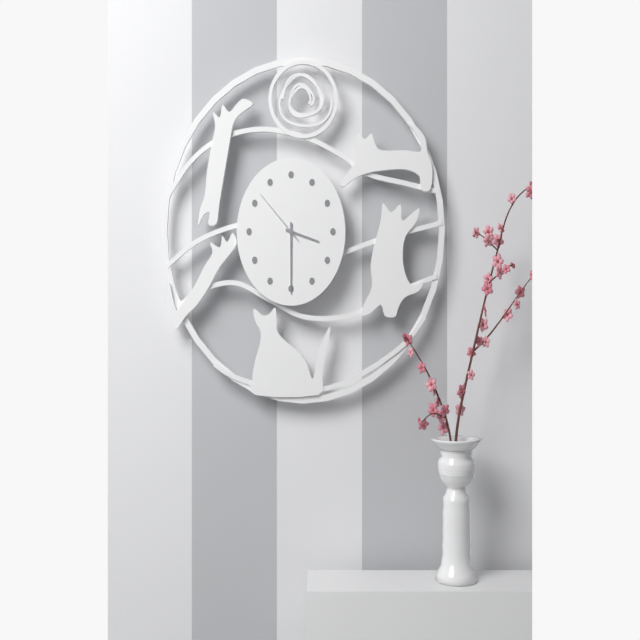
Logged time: 3,30,52
